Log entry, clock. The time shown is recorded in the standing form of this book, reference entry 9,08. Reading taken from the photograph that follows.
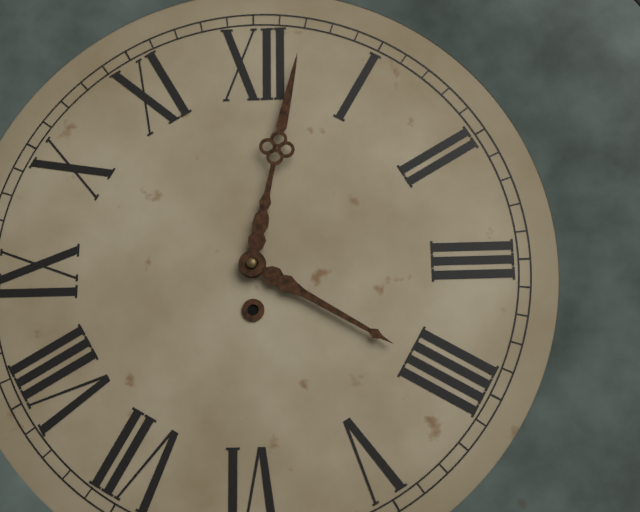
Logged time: 4,02
